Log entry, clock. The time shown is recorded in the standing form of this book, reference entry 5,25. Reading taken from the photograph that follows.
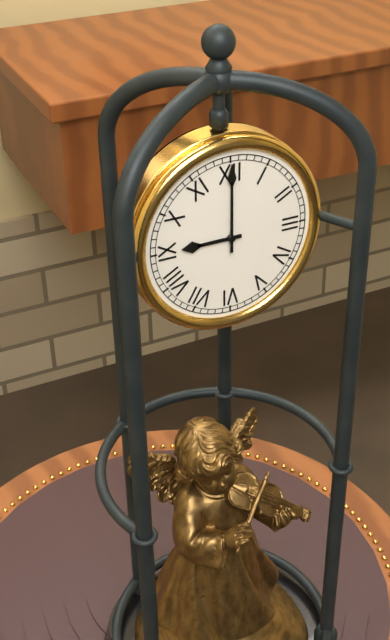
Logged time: 9,00
